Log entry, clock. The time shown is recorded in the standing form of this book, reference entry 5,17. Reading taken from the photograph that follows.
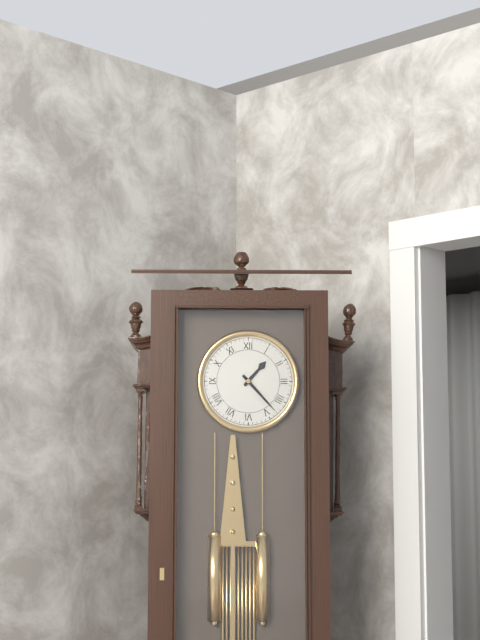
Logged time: 1,23
